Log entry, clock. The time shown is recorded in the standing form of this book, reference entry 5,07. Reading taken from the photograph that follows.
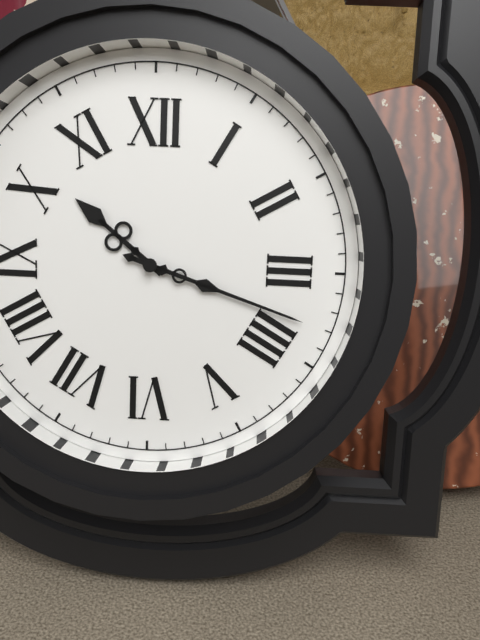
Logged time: 10,18
